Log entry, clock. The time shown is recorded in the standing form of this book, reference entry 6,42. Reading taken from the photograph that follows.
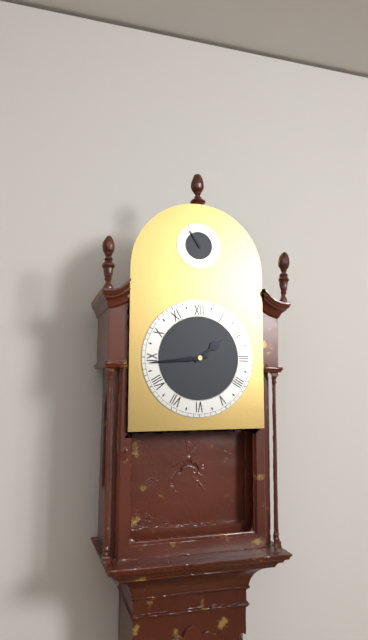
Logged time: 1,44
